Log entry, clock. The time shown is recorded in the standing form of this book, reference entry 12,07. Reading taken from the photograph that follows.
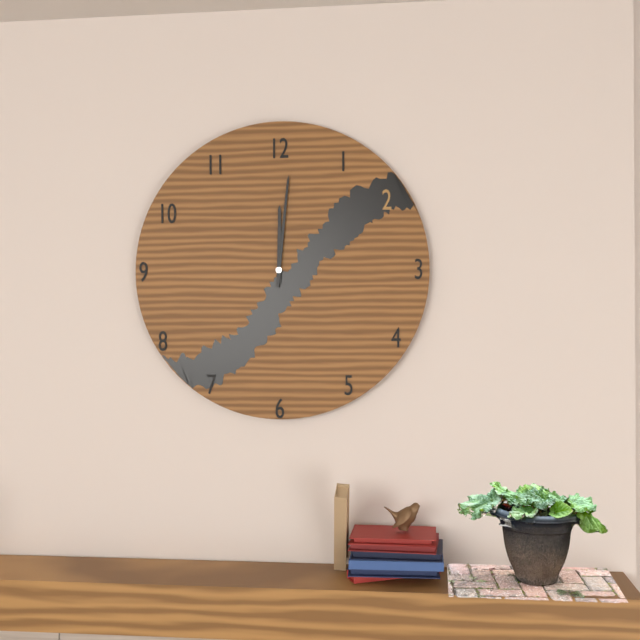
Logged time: 12,01
